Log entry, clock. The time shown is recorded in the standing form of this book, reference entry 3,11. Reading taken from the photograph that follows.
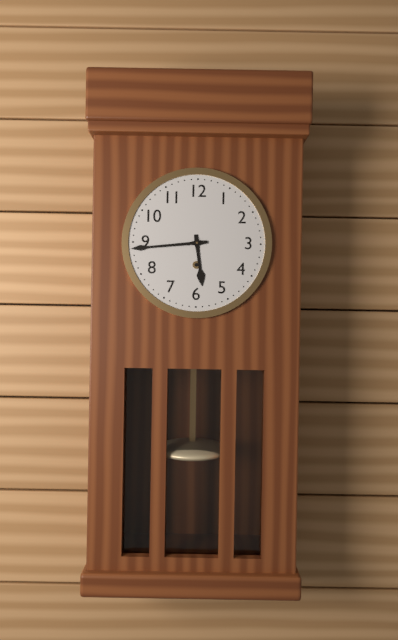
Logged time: 5,44
